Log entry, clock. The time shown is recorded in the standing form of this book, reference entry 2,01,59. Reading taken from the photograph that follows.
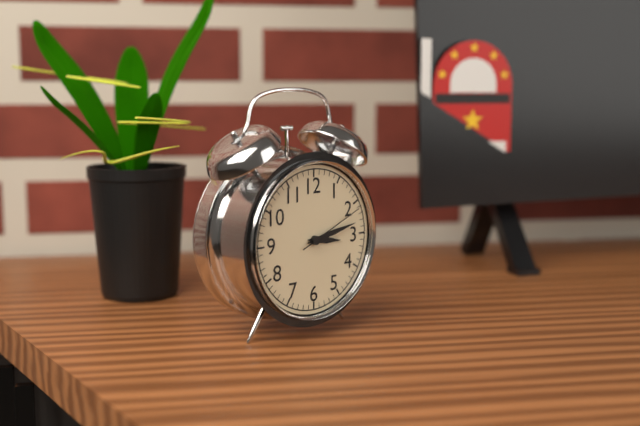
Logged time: 3,13,11
